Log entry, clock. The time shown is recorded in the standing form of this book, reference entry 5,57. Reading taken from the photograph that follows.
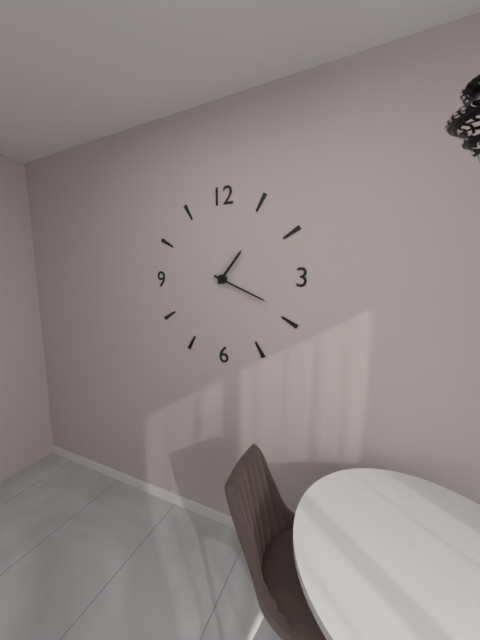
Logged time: 1,19
